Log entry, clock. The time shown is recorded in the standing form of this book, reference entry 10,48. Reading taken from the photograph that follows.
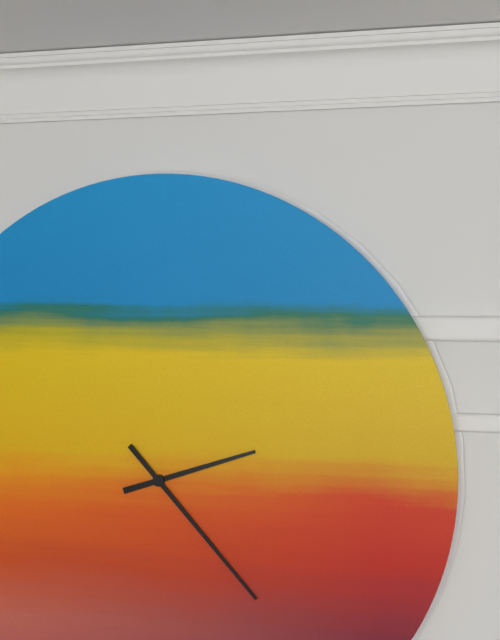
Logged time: 2,23
